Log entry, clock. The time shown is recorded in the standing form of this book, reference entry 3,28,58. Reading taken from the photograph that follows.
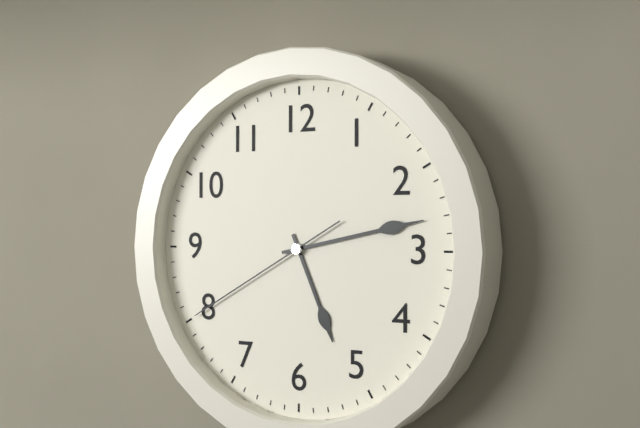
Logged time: 5,13,40
